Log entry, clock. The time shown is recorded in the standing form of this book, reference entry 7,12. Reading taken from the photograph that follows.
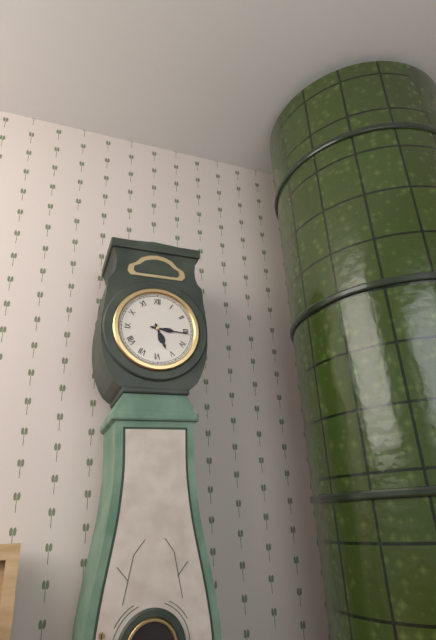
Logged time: 5,16
